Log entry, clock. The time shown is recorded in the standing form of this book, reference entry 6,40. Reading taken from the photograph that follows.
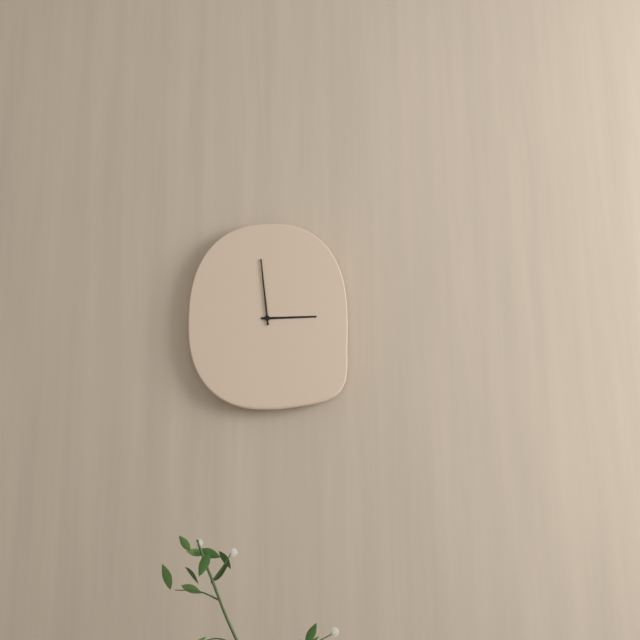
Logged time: 2,59
